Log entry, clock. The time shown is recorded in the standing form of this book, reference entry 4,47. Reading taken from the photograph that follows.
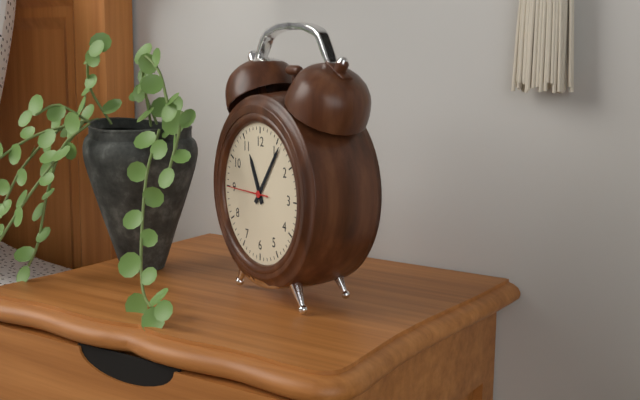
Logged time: 11,06
